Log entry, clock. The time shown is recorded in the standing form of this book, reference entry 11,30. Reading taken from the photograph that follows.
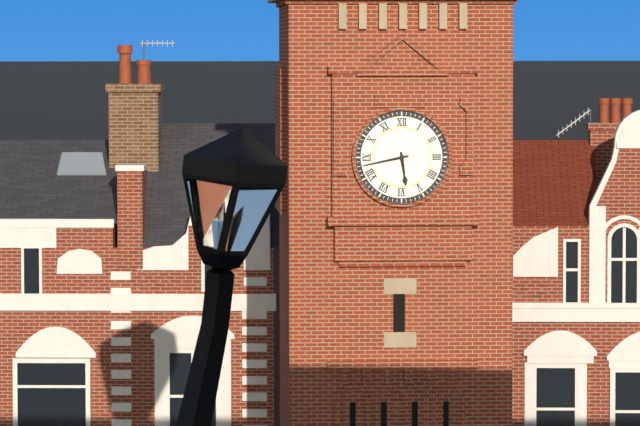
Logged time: 5,43
